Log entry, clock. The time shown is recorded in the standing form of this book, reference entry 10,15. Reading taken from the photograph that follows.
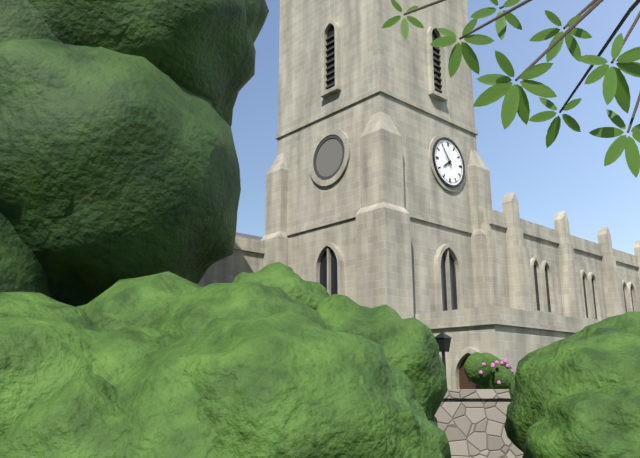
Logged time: 7,54
